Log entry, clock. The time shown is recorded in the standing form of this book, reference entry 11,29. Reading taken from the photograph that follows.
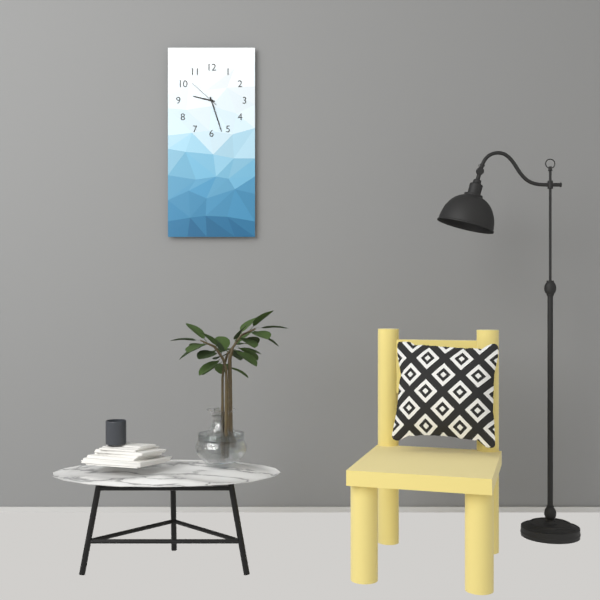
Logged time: 9,27
